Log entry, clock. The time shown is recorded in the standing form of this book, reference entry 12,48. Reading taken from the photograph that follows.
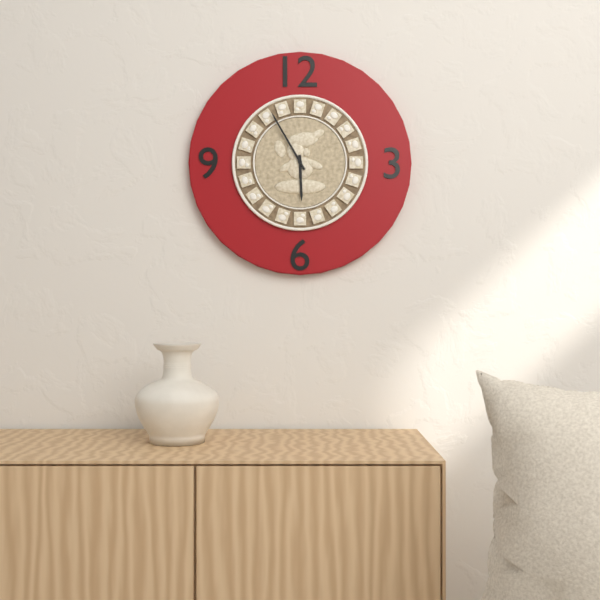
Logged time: 5,55
